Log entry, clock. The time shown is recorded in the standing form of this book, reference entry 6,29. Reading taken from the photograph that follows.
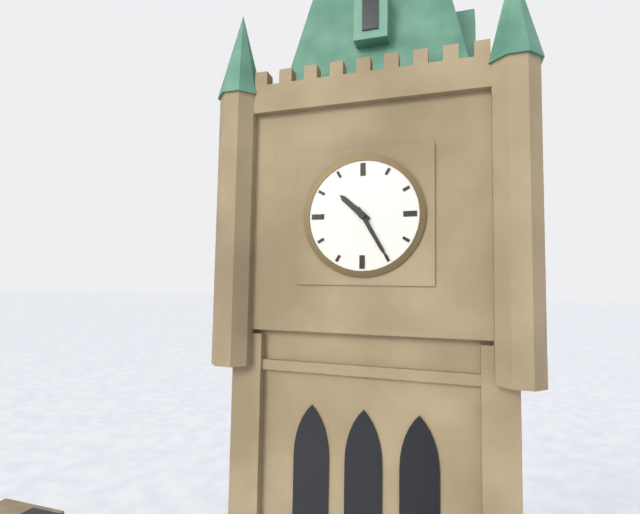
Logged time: 10,25
